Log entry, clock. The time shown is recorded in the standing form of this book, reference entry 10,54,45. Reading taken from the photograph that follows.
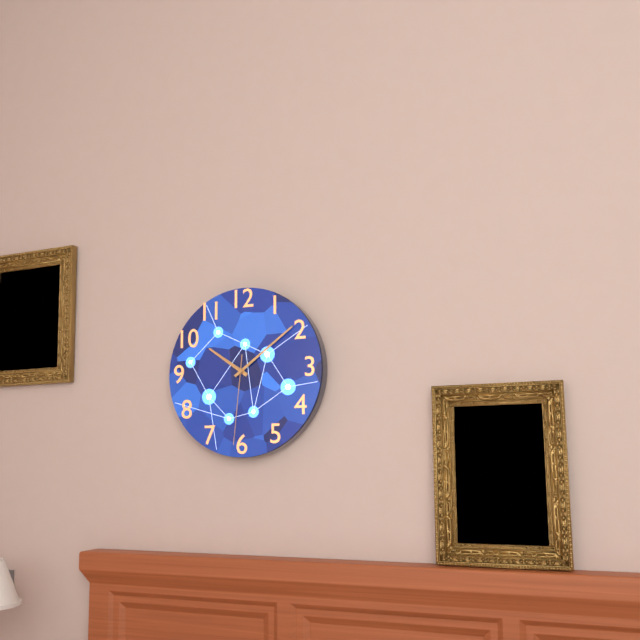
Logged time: 10,09,31
